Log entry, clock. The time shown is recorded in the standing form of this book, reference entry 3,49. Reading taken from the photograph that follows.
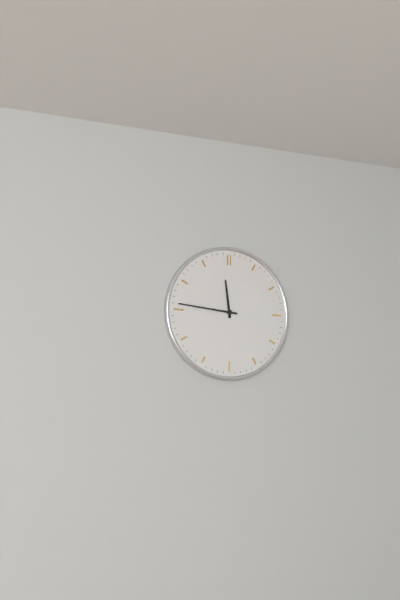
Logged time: 11,46
